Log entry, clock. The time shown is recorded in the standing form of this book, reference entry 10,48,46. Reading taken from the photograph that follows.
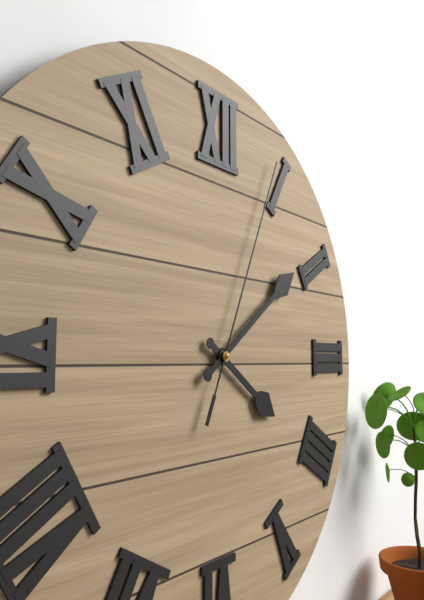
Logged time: 4,09,04
